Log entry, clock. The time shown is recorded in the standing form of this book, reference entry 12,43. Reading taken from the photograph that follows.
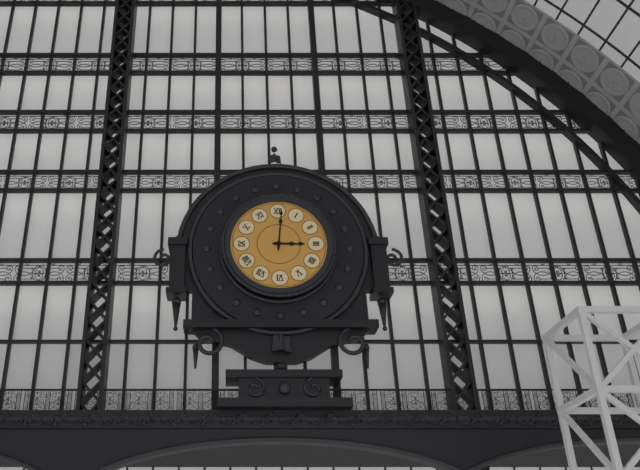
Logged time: 3,01
